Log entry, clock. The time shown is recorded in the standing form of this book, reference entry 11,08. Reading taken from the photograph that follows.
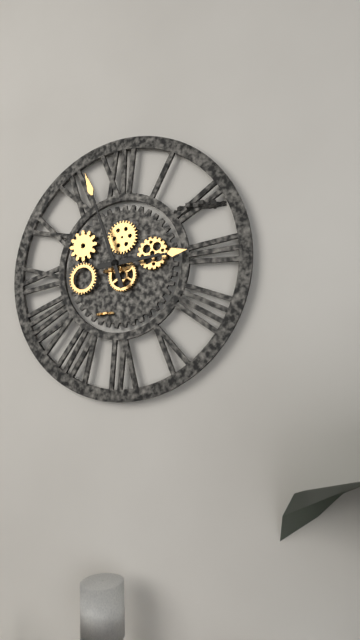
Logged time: 2,57
